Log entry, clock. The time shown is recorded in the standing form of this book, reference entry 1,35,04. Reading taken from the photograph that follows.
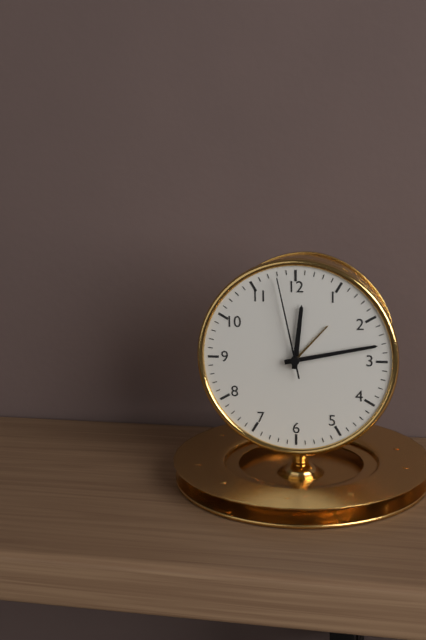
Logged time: 12,13,58
